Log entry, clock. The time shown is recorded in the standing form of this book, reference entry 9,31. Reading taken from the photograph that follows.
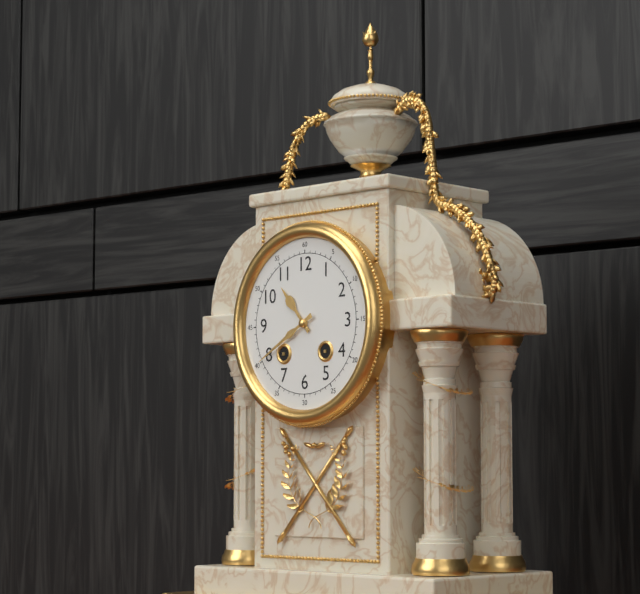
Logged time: 10,40
